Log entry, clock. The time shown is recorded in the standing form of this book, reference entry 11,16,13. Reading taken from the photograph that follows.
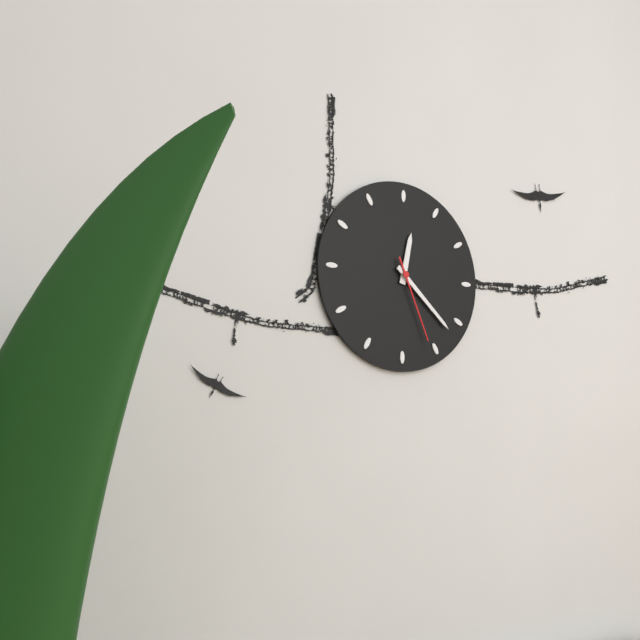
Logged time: 12,22,26
